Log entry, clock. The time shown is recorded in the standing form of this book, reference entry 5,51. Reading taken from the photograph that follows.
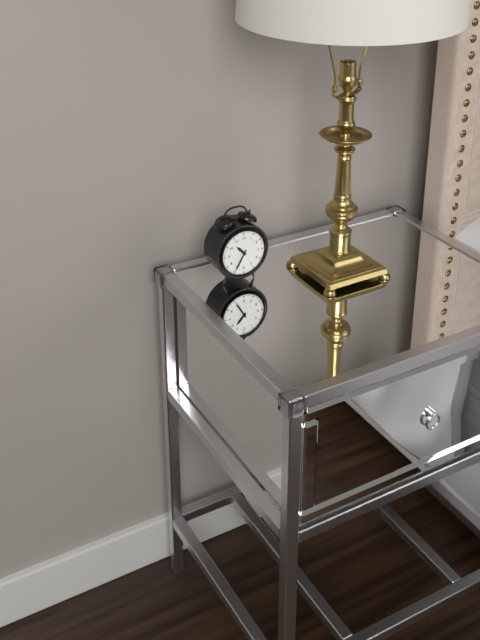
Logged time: 10,35
